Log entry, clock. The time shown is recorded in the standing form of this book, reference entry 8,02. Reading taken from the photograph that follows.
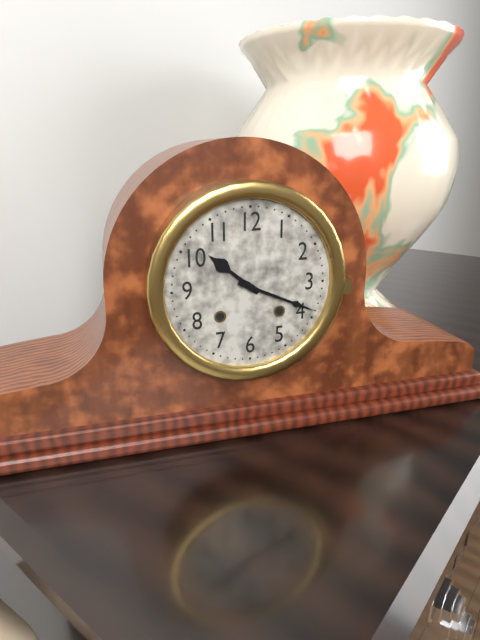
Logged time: 10,19
